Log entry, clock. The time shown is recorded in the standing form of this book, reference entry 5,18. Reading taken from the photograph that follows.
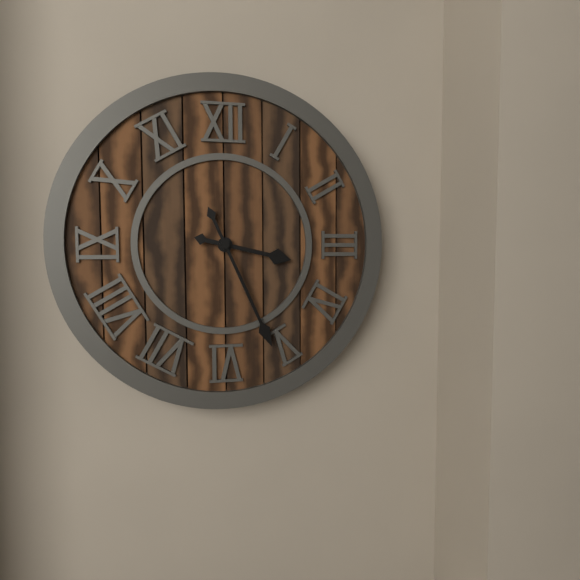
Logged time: 3,26
